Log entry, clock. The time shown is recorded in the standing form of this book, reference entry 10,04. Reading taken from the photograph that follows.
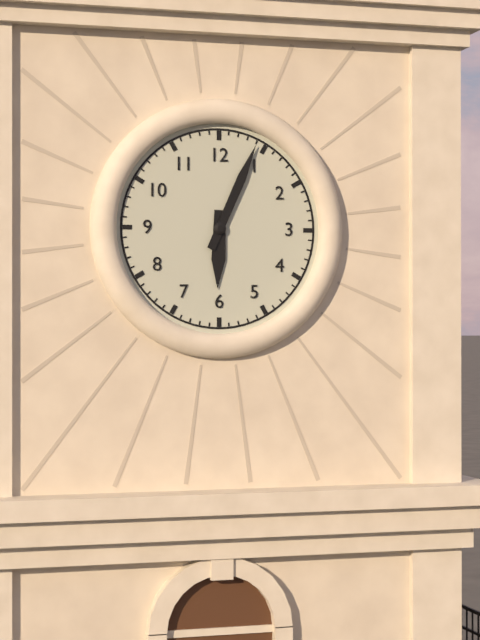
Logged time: 6,04
